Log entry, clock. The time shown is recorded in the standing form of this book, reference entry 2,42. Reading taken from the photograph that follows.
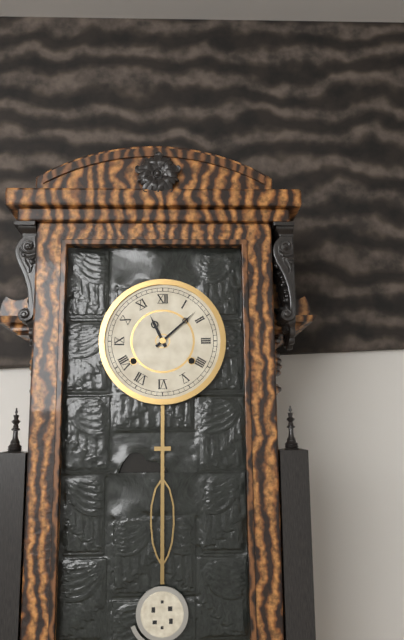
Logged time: 11,08
